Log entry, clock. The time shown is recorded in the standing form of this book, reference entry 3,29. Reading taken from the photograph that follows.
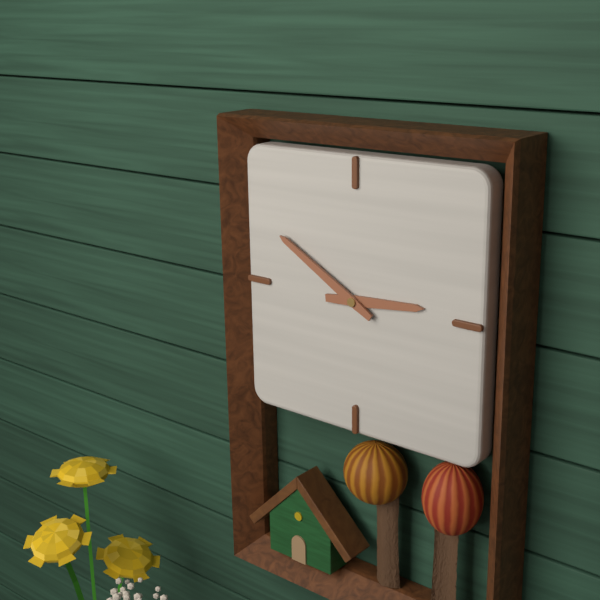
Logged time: 2,50
